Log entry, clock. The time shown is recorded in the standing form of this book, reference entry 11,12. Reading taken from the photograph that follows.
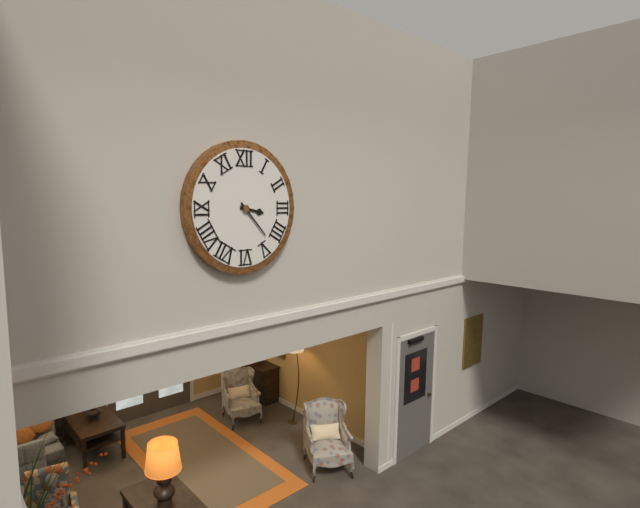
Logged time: 3,23
